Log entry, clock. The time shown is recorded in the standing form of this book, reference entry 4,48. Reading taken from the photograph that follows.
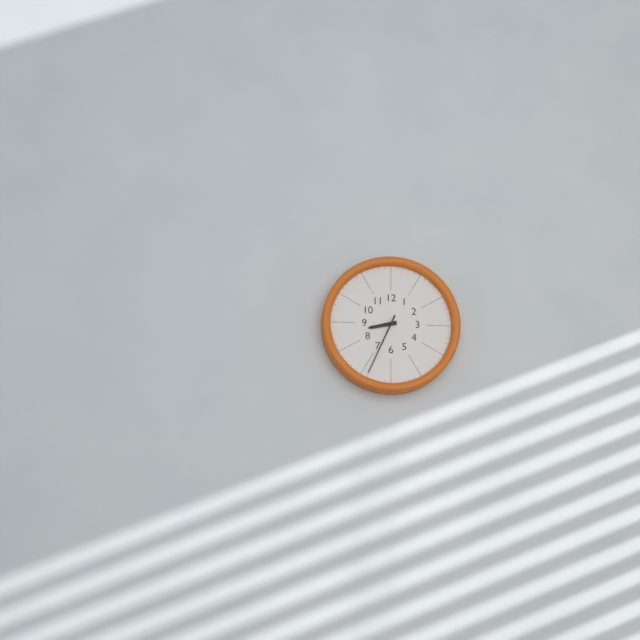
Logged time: 8,34
